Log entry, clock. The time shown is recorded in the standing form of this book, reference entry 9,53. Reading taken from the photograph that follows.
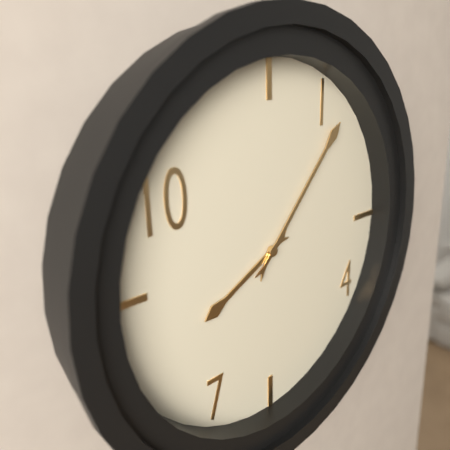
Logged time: 8,07
